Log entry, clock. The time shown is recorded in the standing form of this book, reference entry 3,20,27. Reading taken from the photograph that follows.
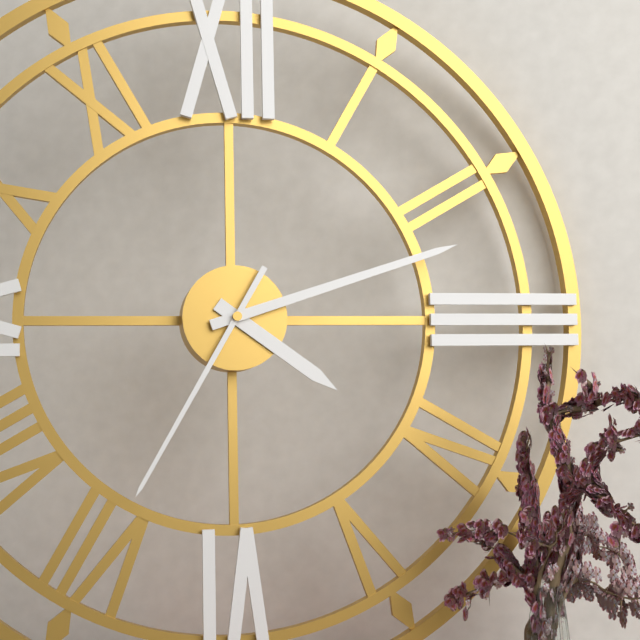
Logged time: 4,12,35
